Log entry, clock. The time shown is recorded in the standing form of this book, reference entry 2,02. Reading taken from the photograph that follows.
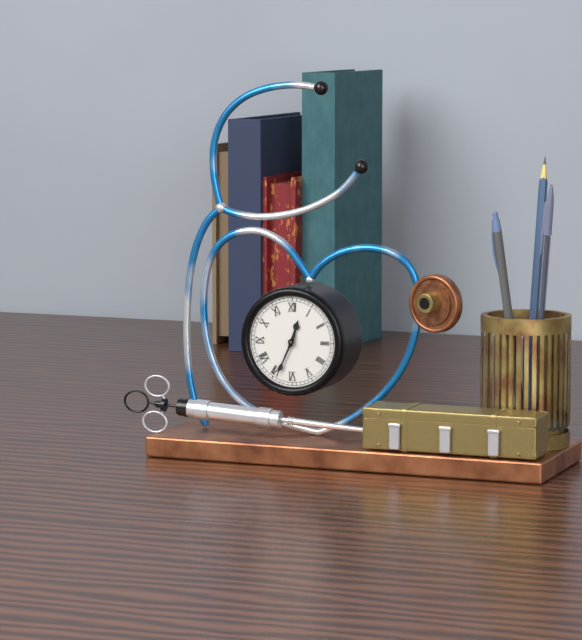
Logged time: 12,34
